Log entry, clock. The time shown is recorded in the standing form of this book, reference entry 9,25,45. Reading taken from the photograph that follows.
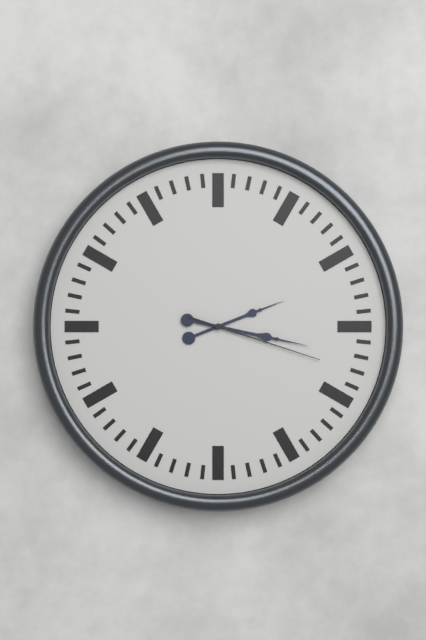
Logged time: 2,17,18
